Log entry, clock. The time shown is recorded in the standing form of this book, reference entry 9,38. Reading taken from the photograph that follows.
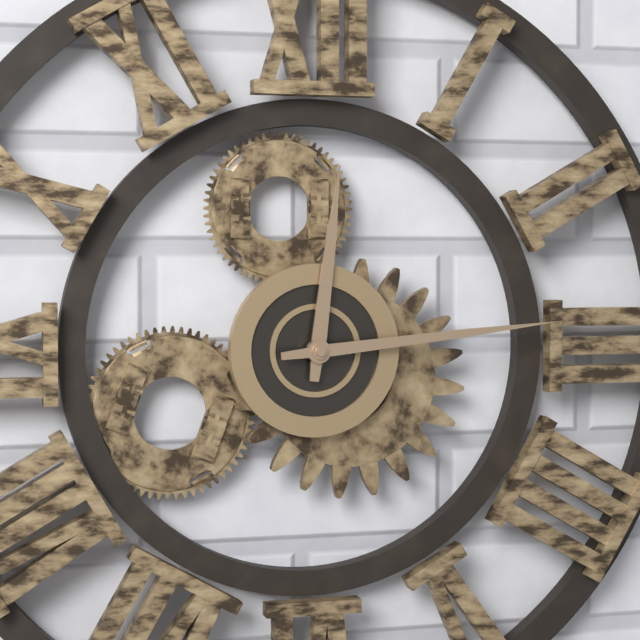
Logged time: 12,14
